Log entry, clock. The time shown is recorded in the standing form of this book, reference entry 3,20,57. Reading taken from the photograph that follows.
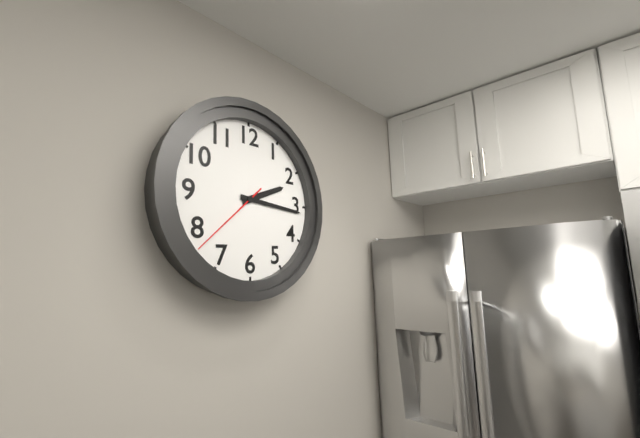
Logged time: 2,16,38
